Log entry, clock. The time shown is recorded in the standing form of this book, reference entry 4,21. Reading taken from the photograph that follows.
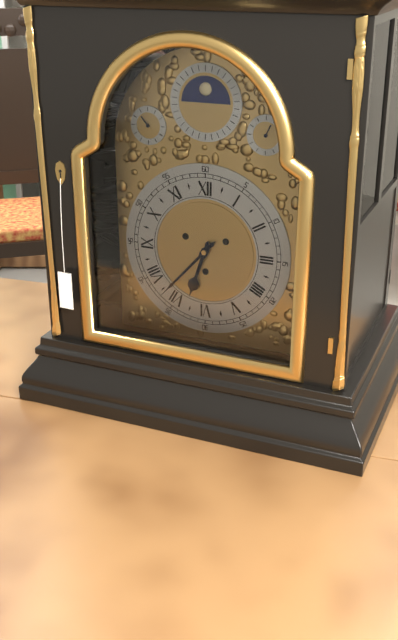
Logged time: 6,37
